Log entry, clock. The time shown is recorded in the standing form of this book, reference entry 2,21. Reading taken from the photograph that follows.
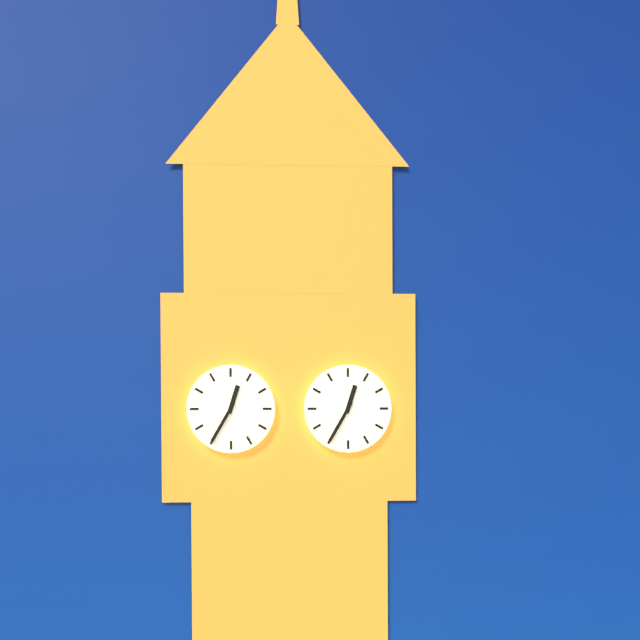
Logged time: 12,35
